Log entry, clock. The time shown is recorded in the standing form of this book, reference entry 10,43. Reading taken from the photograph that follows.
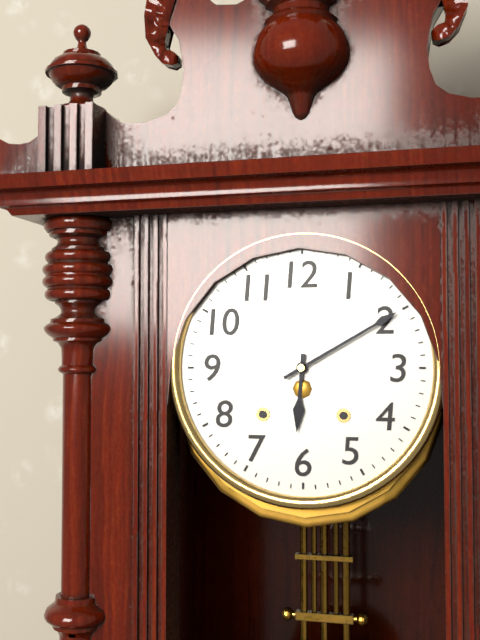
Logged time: 6,10
